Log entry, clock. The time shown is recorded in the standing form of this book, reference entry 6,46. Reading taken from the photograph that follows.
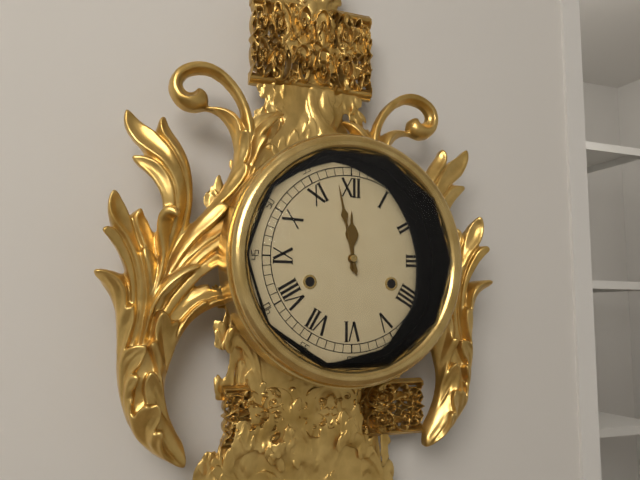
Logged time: 11,58
